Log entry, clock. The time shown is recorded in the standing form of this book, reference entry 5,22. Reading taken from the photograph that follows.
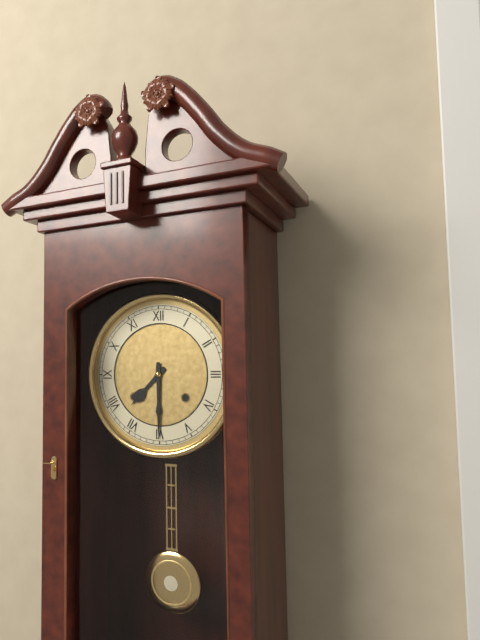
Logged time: 7,30
